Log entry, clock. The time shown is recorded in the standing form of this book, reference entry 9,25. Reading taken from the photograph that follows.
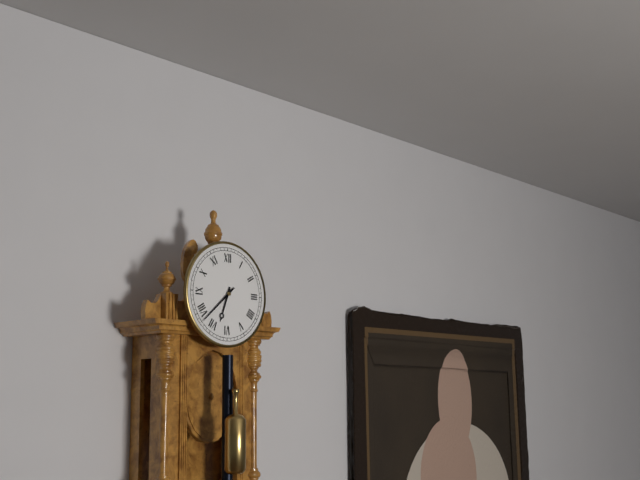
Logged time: 6,38
